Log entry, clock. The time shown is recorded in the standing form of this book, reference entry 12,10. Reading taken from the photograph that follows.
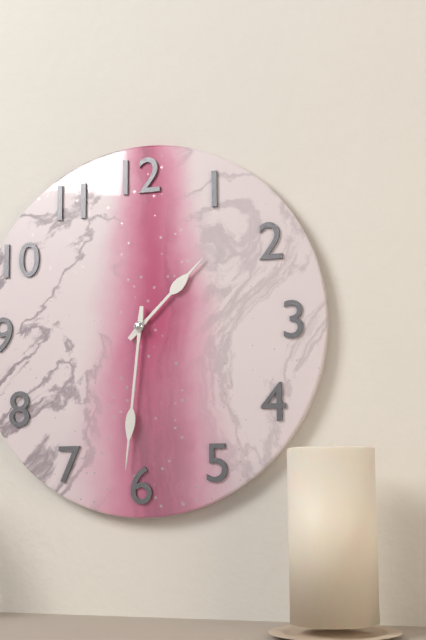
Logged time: 1,31
